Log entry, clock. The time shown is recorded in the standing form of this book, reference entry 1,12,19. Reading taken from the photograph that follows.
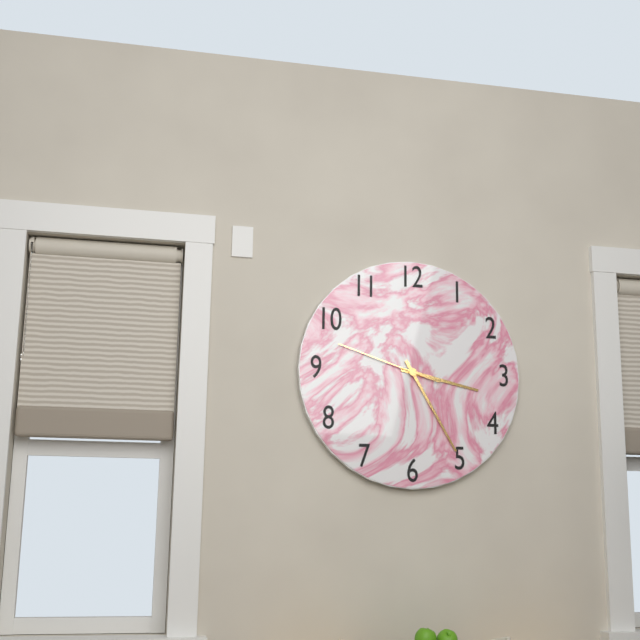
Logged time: 3,25,48
